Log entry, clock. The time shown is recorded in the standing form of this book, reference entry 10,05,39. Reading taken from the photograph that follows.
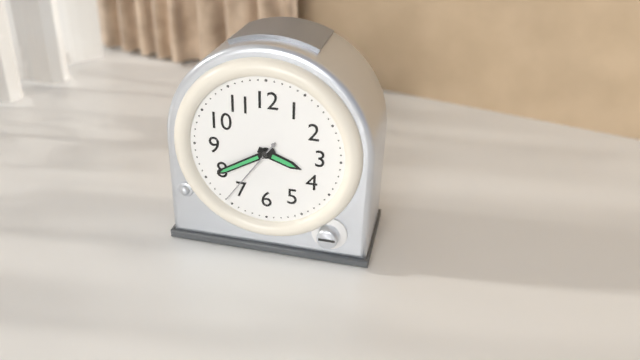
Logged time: 3,40,36
